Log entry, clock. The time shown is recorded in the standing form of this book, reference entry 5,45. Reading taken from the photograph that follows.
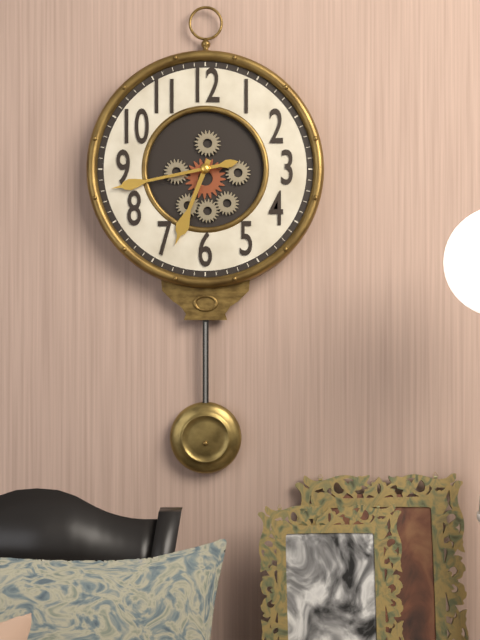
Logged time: 6,43
